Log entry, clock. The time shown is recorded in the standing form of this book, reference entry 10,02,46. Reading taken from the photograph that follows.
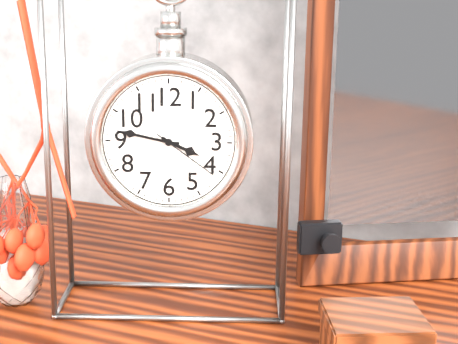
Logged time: 3,47,21
